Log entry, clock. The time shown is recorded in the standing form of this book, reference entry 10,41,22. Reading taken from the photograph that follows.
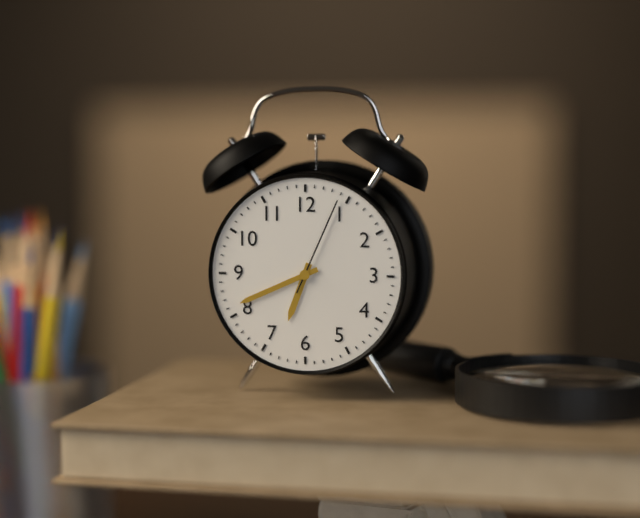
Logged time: 6,41,04
